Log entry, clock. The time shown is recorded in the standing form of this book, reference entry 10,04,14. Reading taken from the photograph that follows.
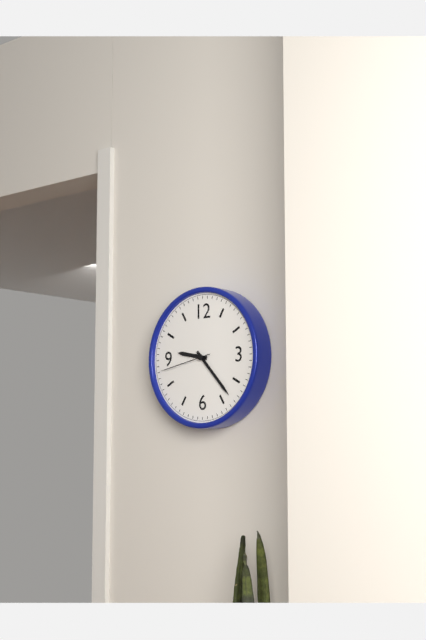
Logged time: 9,23,43
